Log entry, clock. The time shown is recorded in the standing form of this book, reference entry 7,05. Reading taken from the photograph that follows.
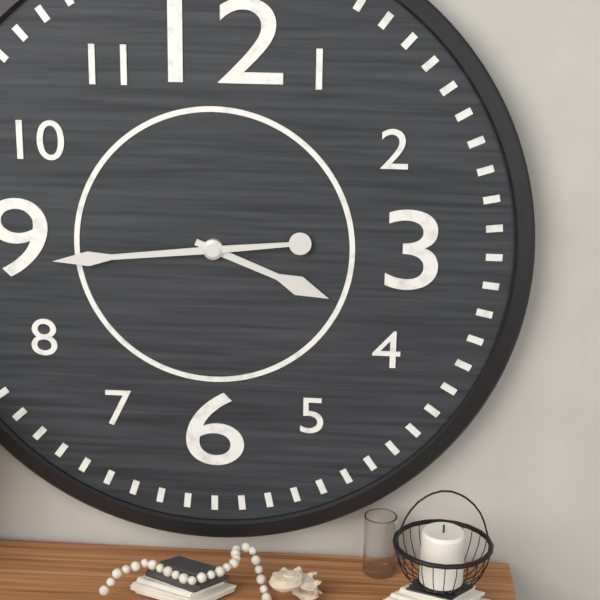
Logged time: 3,44
